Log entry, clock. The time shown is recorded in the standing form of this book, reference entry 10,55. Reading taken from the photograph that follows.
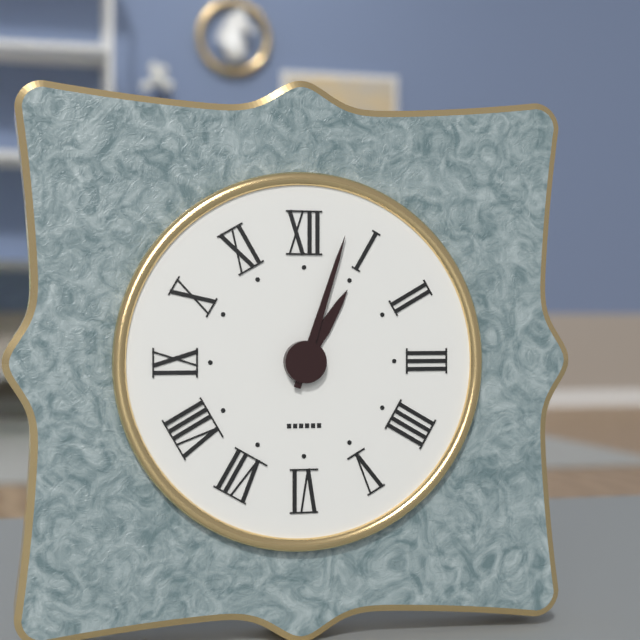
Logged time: 1,03
